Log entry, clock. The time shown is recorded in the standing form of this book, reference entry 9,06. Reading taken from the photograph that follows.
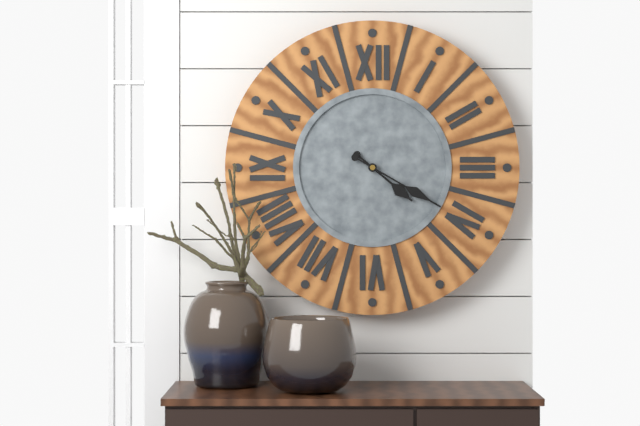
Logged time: 4,20
